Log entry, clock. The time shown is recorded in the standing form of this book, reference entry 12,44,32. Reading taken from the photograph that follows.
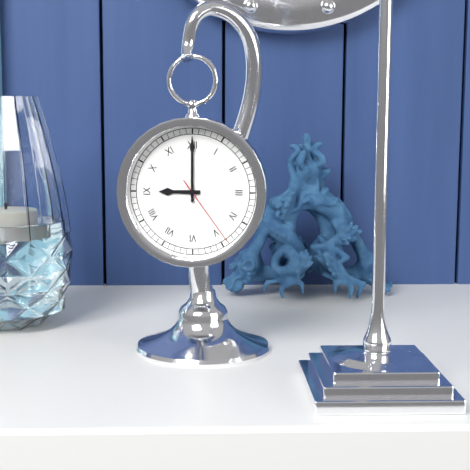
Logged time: 9,00,24
